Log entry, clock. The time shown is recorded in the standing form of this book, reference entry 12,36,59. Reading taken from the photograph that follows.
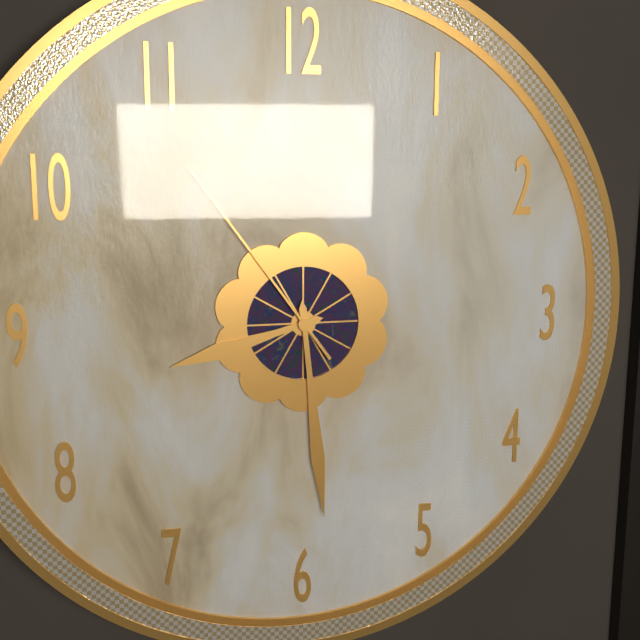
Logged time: 8,29,54
